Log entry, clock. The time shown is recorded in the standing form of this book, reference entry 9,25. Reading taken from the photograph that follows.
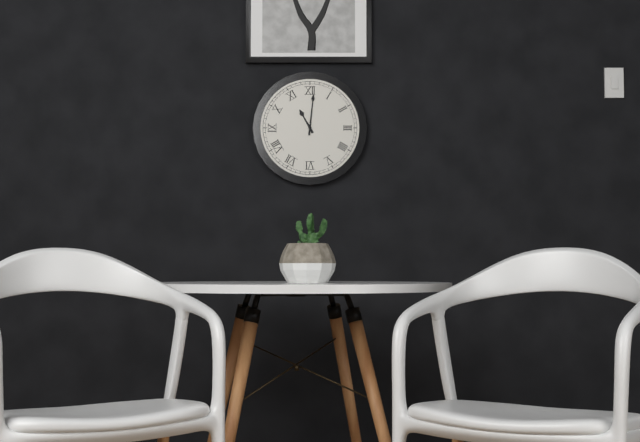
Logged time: 11,01
